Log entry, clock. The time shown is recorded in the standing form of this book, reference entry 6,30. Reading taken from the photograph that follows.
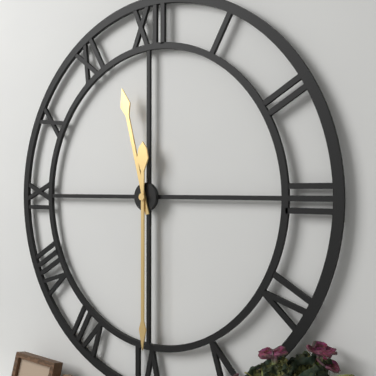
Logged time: 11,30
